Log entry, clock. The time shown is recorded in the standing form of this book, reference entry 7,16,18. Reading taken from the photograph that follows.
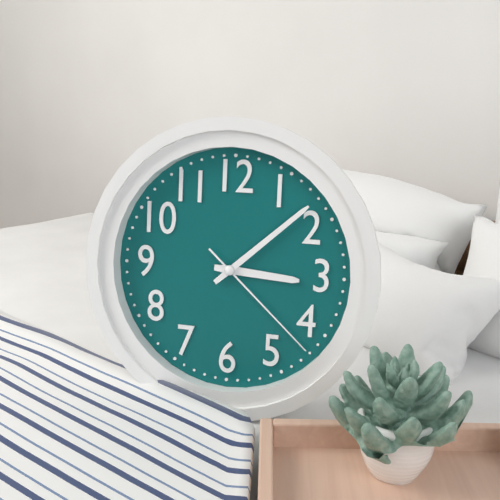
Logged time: 3,08,22
